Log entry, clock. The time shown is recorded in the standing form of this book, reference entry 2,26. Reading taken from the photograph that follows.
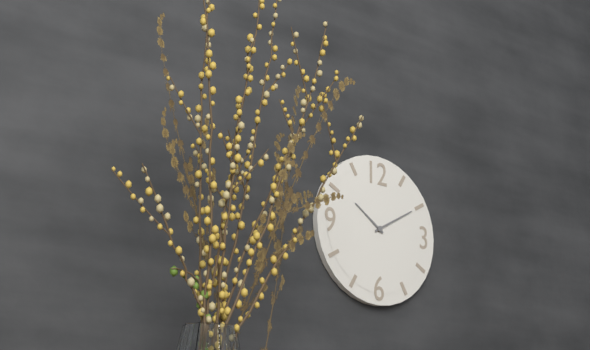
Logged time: 10,10
